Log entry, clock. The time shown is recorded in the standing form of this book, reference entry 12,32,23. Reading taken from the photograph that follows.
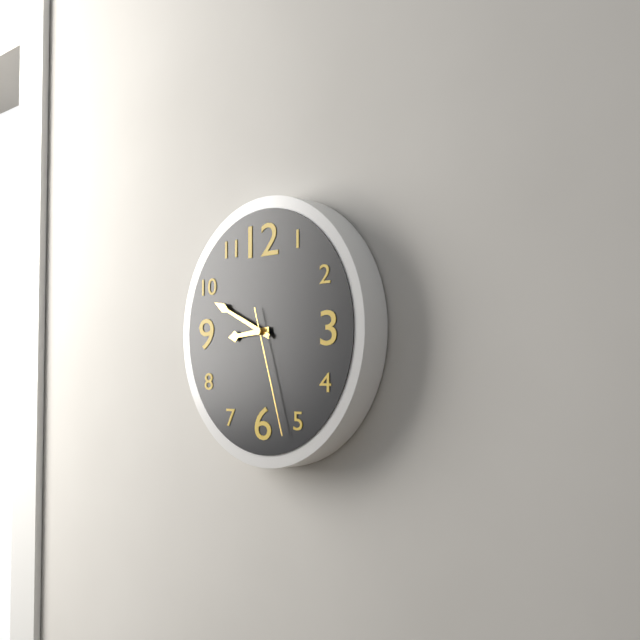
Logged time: 8,49,27
